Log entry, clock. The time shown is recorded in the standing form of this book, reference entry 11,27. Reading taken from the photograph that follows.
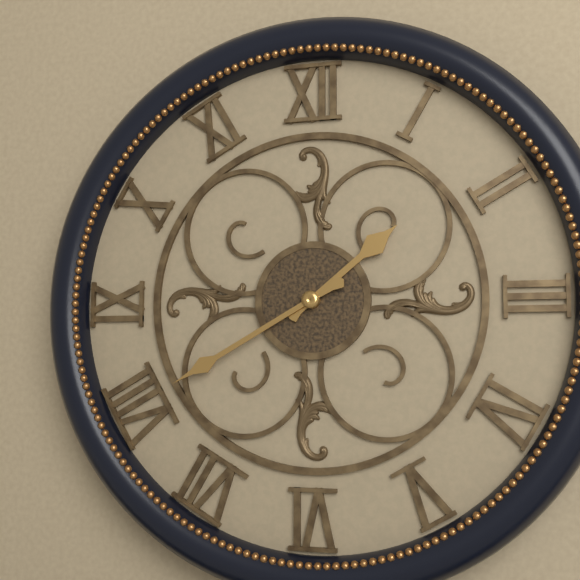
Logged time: 1,40
